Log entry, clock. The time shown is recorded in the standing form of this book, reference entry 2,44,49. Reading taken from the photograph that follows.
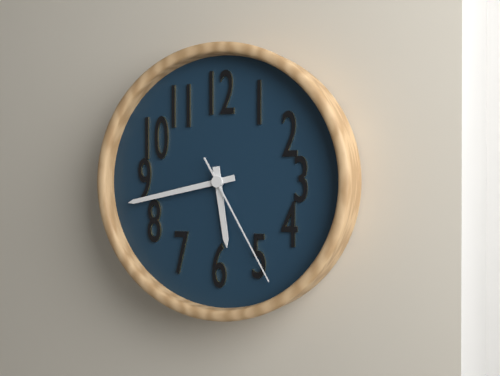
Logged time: 5,43,25
